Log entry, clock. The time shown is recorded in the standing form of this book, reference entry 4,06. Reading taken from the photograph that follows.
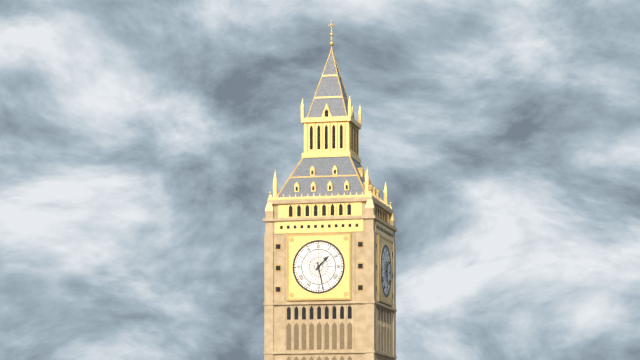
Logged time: 1,28
